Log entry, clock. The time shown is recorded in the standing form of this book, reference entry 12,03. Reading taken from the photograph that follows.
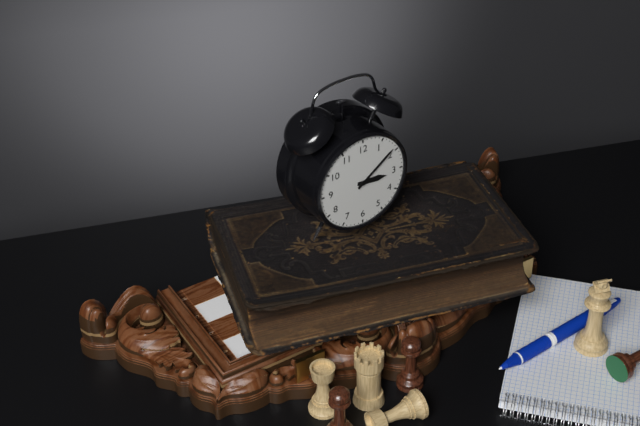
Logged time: 3,09
